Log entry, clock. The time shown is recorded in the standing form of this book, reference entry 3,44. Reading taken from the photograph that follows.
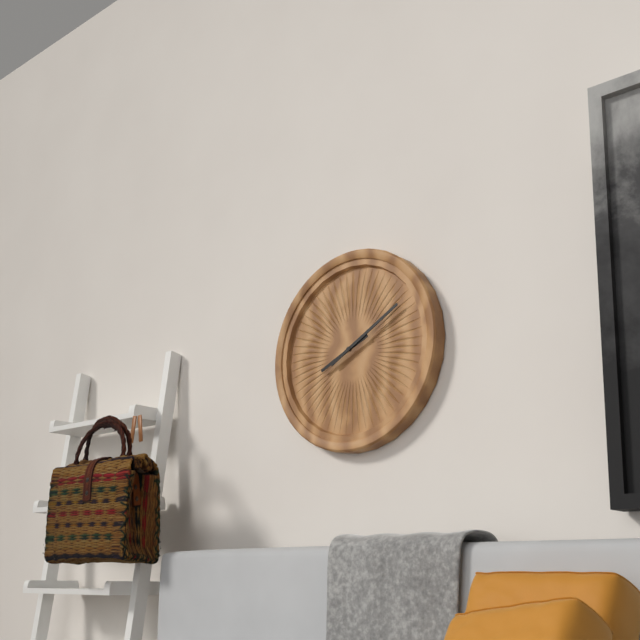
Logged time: 8,10
